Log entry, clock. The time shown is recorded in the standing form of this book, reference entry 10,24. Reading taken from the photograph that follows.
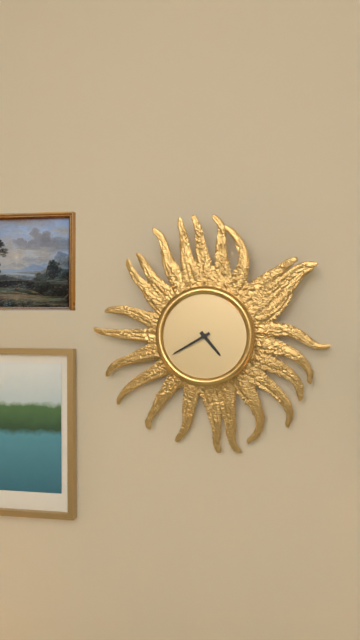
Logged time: 4,40
